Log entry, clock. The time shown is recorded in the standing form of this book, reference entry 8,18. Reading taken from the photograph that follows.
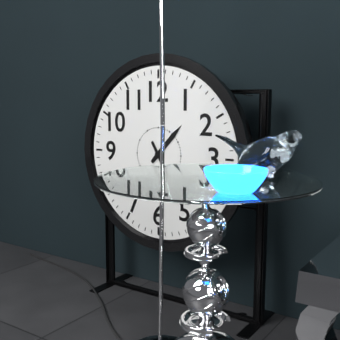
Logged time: 1,25
